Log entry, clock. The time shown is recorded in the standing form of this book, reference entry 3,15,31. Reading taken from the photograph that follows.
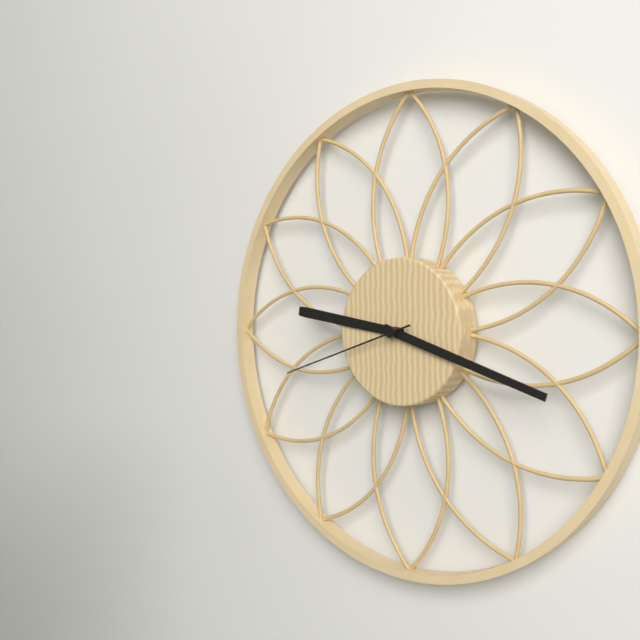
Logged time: 9,18,42
